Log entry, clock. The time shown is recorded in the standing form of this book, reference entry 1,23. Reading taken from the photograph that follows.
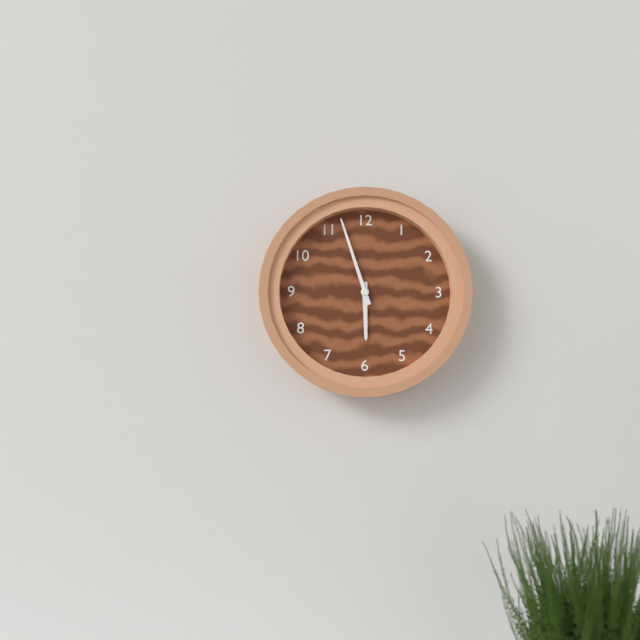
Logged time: 5,57
